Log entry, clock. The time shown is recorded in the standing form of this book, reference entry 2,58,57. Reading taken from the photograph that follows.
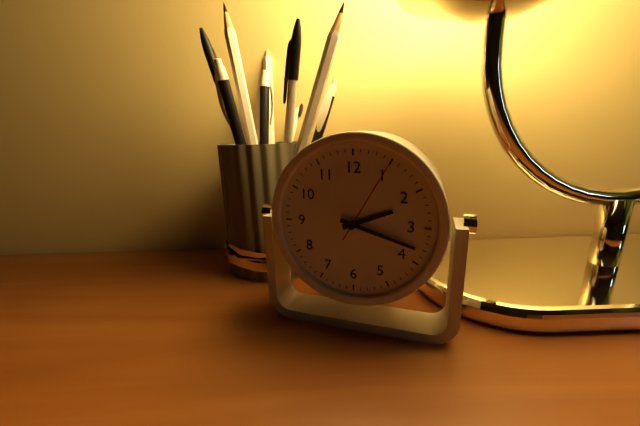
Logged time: 2,18,05
